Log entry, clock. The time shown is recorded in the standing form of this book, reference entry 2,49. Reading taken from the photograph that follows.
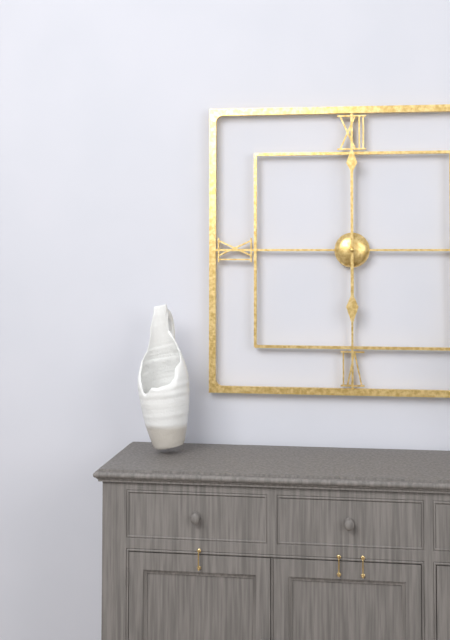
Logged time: 6,00
